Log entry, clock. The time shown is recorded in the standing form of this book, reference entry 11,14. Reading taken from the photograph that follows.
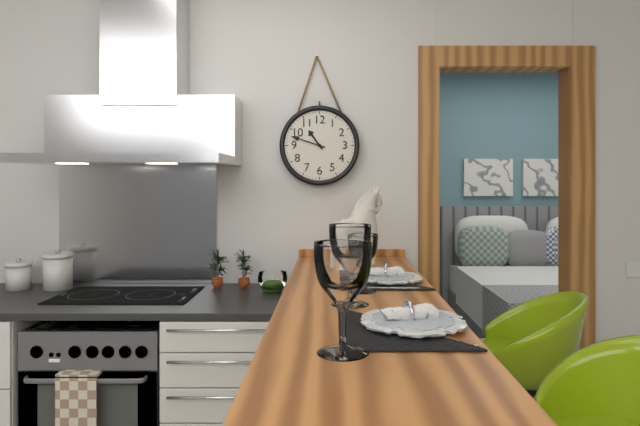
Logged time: 10,48
